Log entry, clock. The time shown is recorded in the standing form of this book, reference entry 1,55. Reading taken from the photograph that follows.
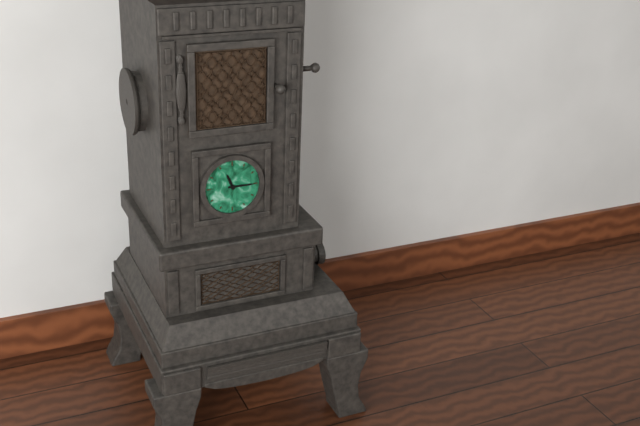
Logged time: 11,15
